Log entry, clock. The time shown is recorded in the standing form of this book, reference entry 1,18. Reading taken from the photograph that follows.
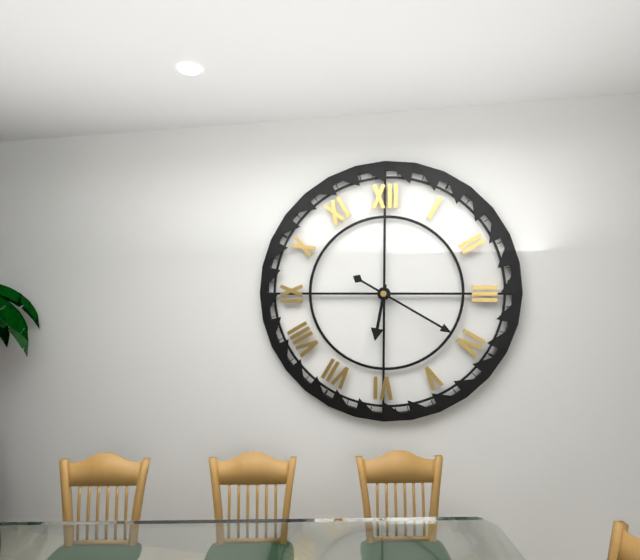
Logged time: 6,20
